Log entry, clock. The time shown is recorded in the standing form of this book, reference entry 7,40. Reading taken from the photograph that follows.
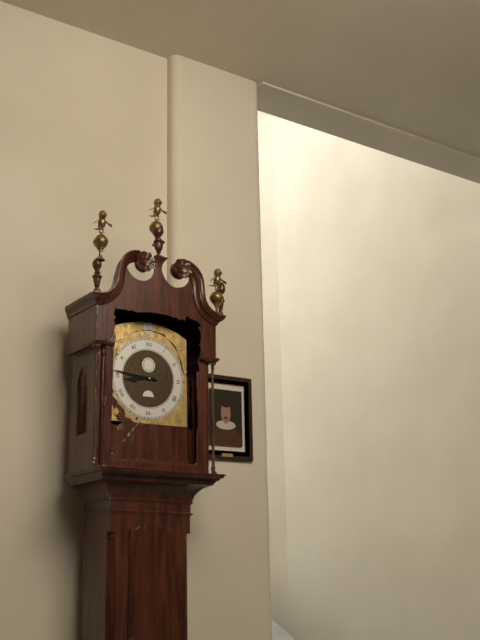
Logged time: 8,46
